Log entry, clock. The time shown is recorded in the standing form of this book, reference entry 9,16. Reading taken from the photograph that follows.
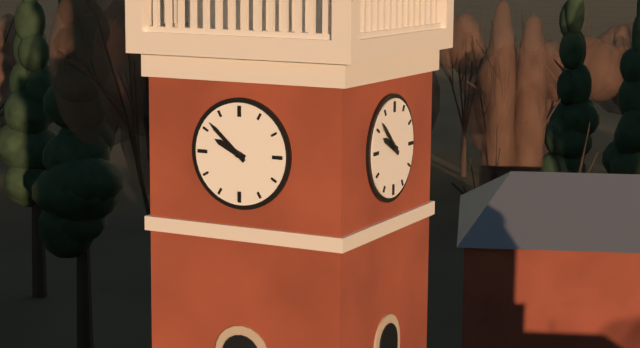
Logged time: 9,52
